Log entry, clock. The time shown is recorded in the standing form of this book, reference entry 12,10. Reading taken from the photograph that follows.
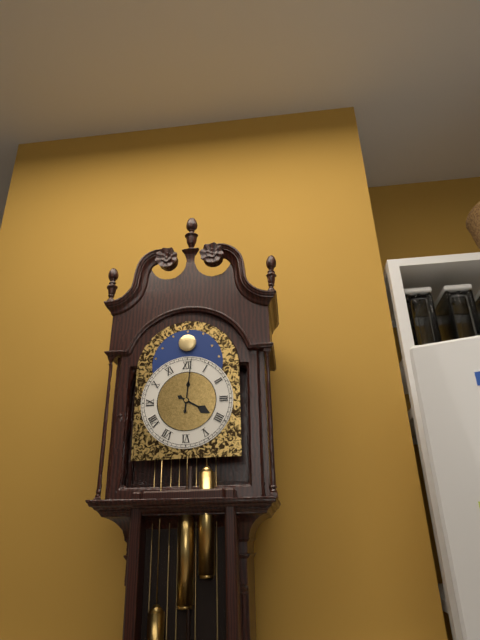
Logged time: 4,01
